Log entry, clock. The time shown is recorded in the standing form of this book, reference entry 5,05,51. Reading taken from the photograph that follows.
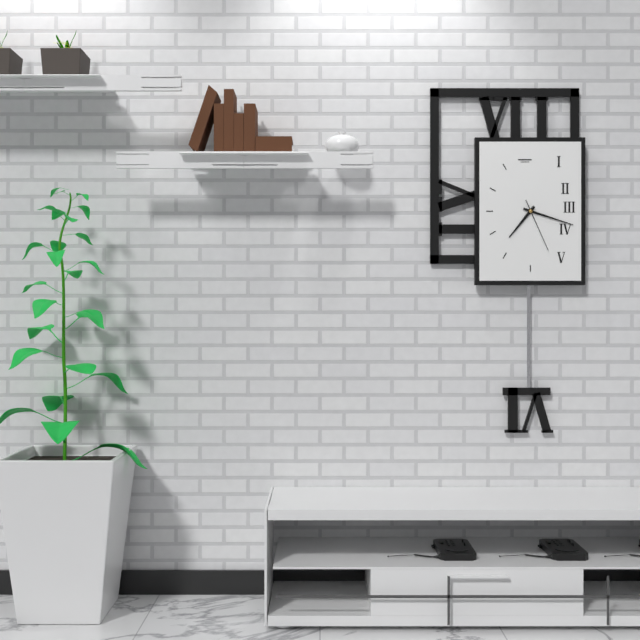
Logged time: 7,18,26
